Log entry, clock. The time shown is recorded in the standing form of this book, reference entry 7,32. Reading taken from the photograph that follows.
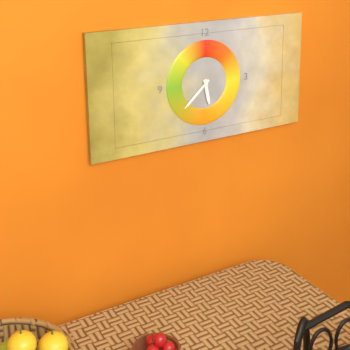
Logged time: 5,38
